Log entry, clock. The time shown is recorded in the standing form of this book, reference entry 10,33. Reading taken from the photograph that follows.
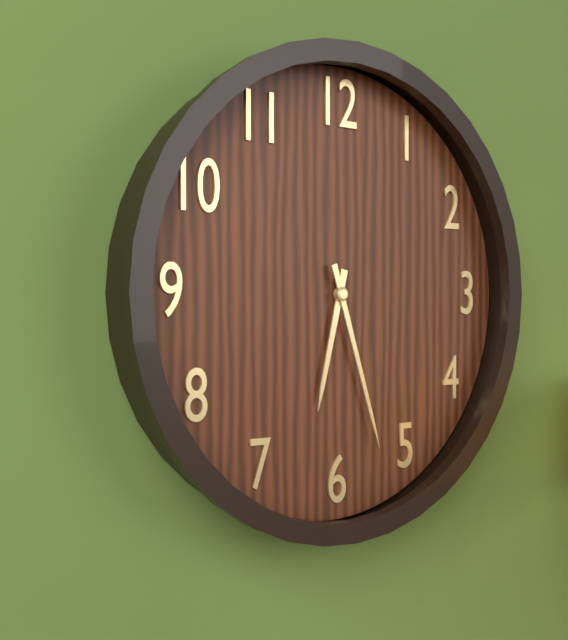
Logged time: 6,27
